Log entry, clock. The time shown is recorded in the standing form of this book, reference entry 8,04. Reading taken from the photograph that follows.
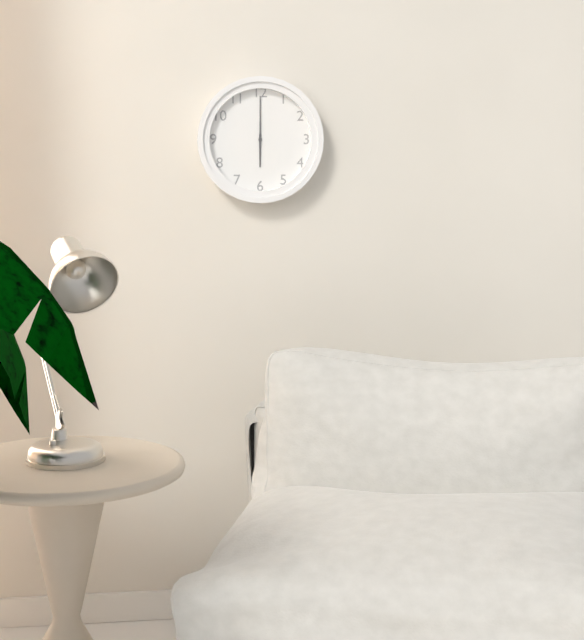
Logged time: 6,00
